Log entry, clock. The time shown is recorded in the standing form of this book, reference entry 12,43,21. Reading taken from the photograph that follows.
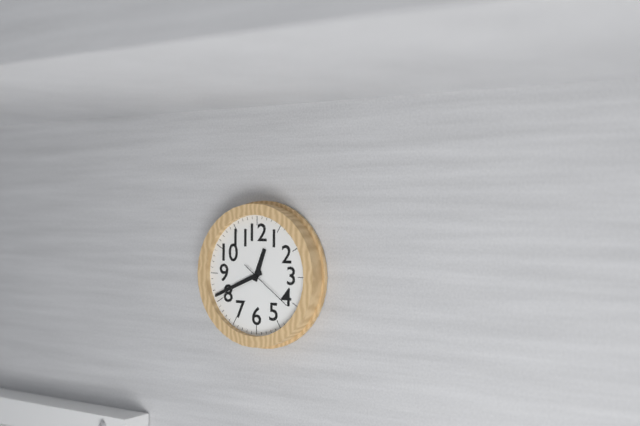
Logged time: 12,41,21
